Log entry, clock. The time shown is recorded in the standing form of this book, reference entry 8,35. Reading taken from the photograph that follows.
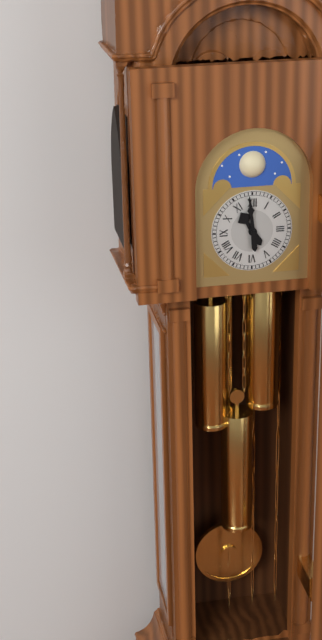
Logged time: 10,59
